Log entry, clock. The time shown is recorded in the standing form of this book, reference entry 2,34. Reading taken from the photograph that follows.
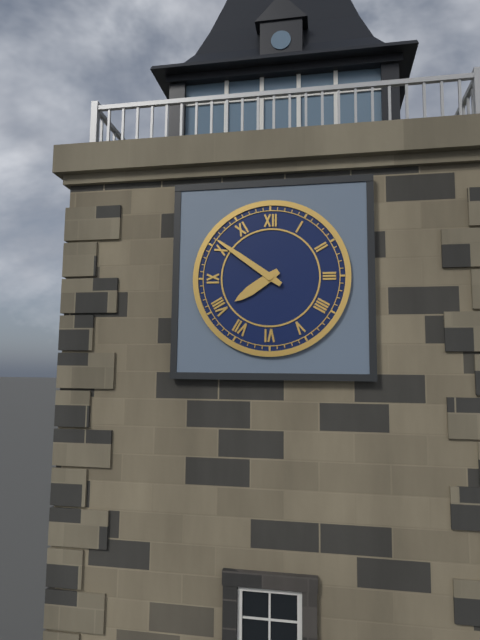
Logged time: 7,51
